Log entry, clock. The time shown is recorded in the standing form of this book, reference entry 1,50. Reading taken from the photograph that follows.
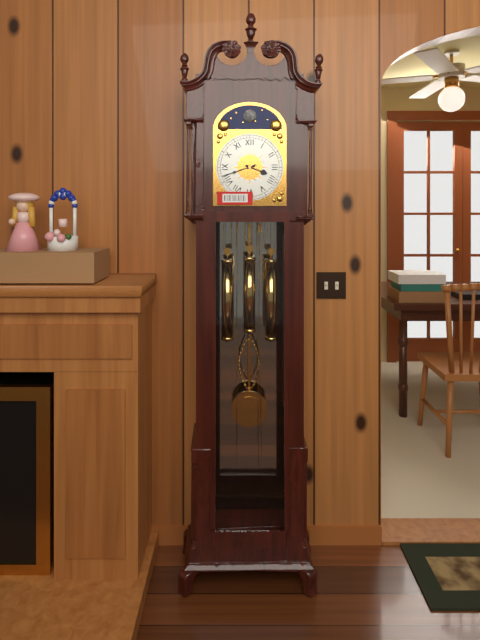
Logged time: 3,42
